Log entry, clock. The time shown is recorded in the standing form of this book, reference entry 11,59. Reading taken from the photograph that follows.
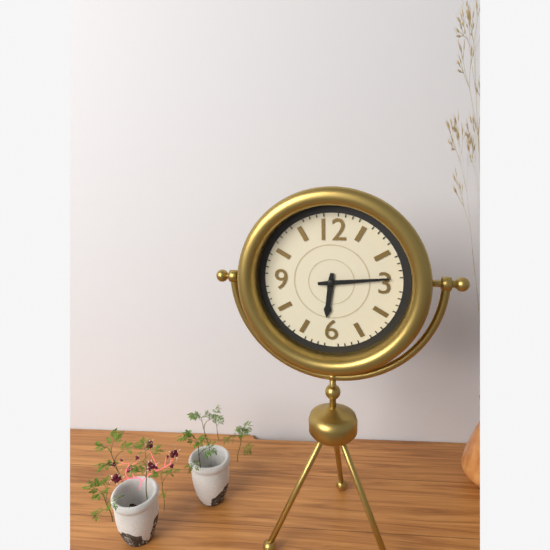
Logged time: 6,14
